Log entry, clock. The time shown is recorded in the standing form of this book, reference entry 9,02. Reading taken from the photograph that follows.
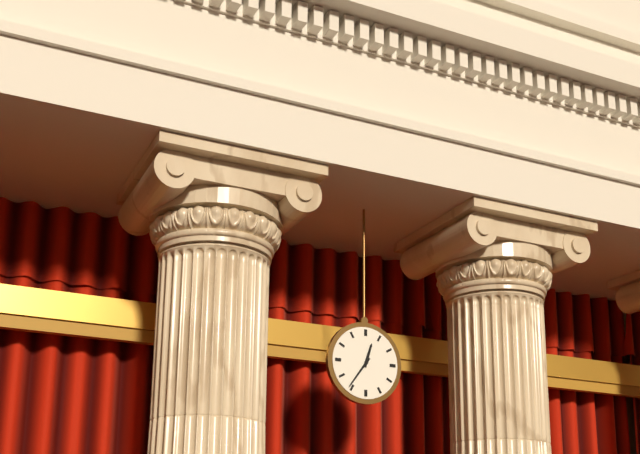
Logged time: 12,36
